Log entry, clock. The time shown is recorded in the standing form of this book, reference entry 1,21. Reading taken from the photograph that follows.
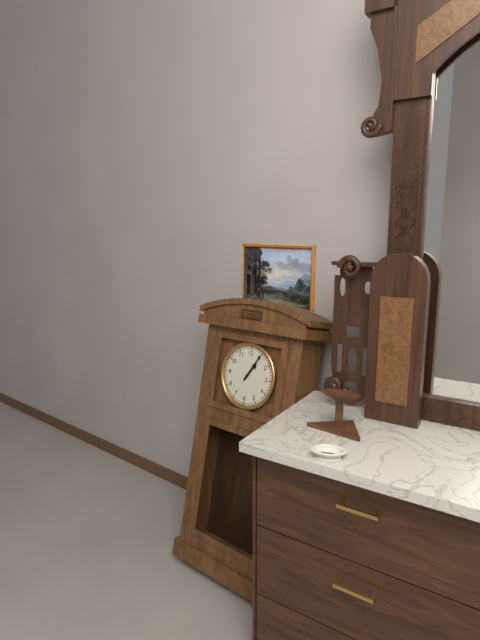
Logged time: 1,05
